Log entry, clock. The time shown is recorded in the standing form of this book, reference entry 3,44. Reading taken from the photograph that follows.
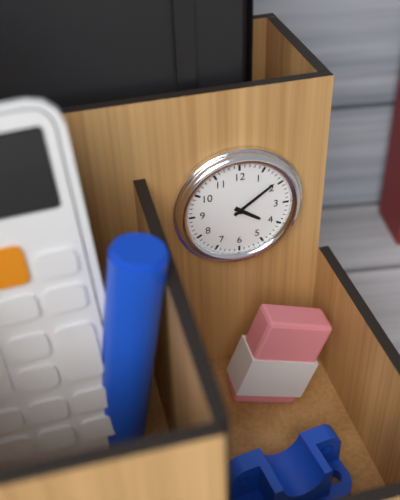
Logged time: 4,09
